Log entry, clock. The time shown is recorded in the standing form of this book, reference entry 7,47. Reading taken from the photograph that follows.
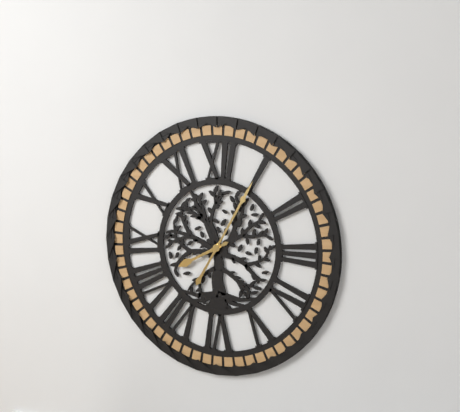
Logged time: 8,05
